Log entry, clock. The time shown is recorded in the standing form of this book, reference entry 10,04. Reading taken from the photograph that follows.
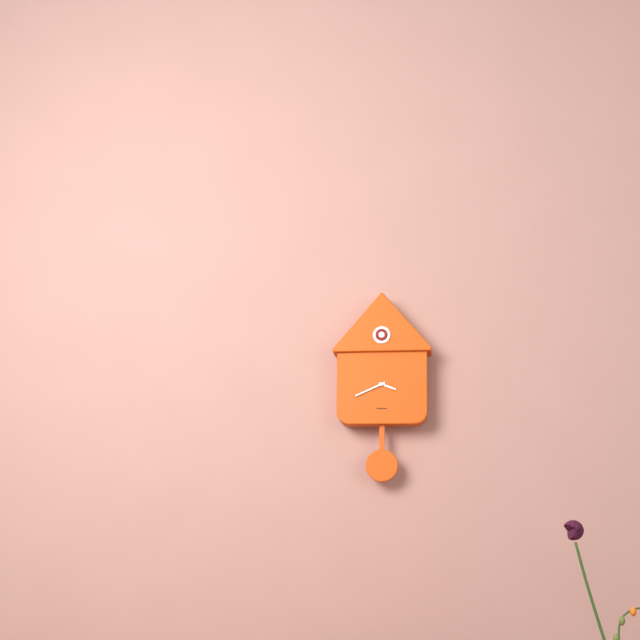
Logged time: 3,41
